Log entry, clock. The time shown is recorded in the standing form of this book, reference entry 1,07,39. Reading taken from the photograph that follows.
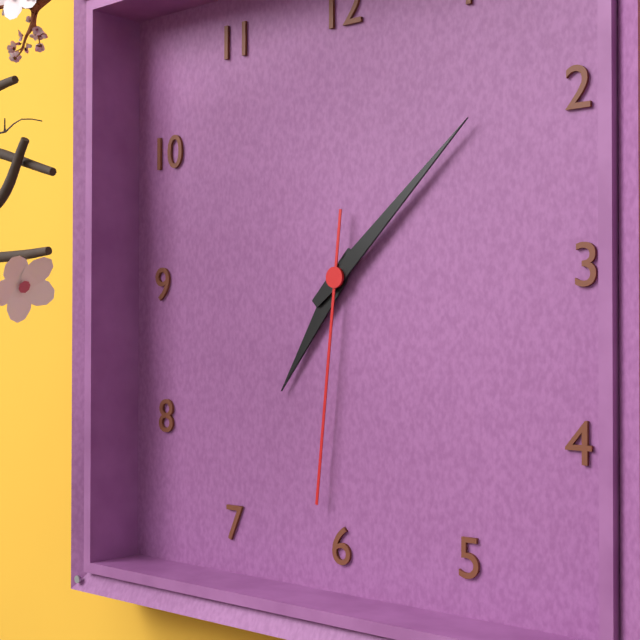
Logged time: 7,08,31
